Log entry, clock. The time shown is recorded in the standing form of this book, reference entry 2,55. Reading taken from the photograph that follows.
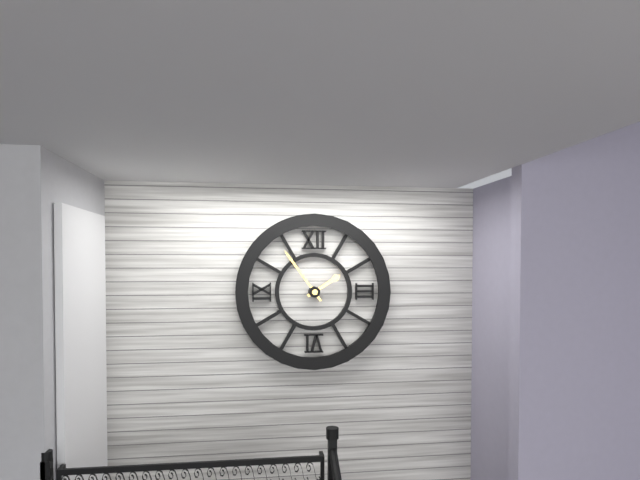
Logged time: 1,54
